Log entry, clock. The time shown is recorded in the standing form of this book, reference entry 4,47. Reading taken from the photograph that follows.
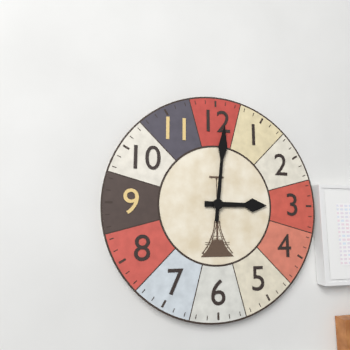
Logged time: 3,01
